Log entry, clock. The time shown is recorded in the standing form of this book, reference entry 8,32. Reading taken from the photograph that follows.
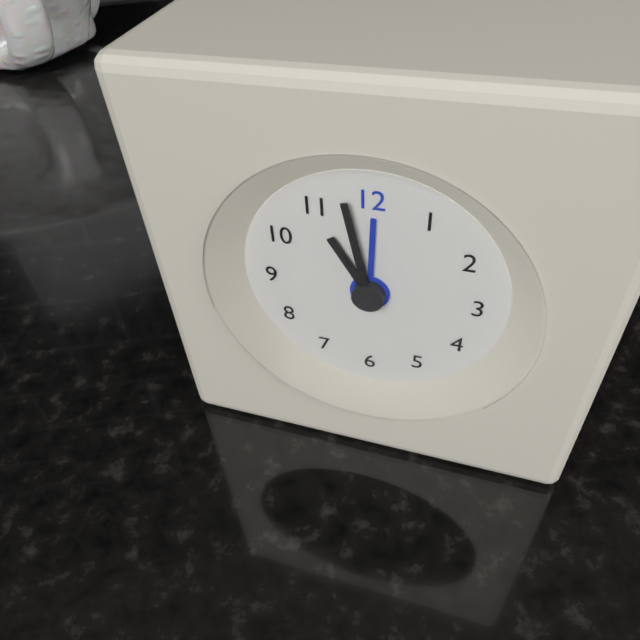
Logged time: 10,58
